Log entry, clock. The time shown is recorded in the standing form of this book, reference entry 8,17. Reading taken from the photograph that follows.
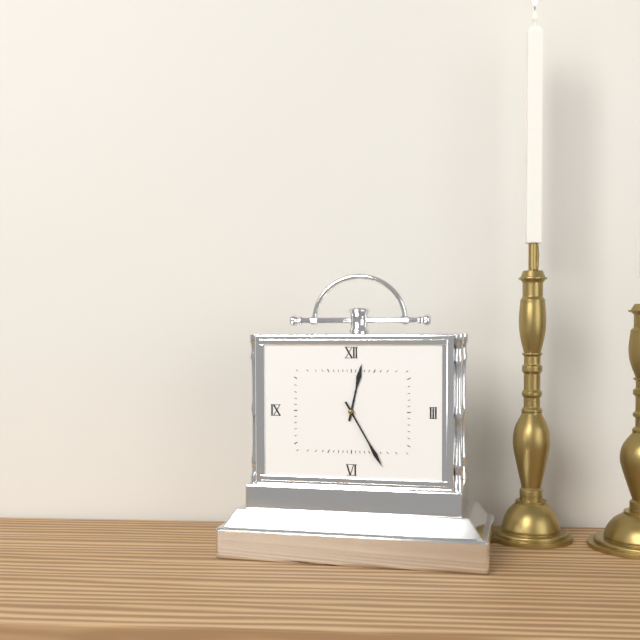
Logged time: 12,25
